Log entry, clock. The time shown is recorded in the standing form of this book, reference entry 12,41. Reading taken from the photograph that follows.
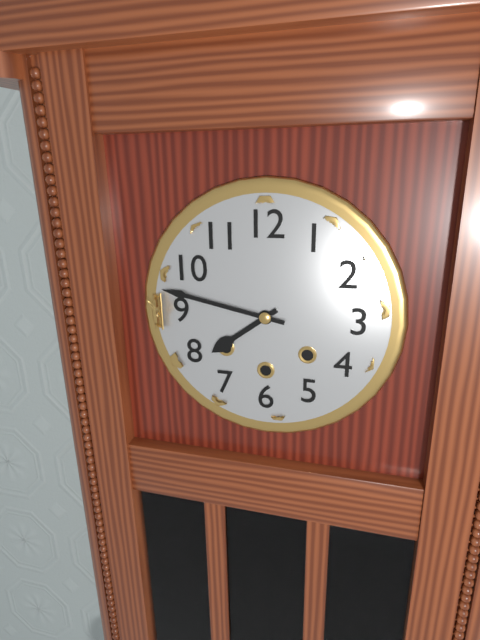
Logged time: 7,47
